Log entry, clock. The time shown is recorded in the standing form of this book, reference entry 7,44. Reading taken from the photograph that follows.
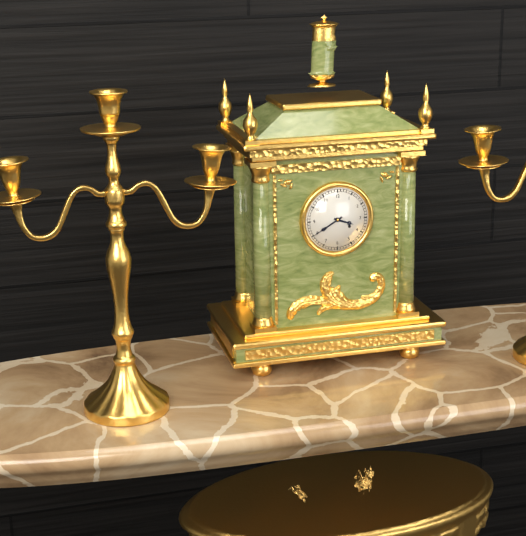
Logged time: 3,40
